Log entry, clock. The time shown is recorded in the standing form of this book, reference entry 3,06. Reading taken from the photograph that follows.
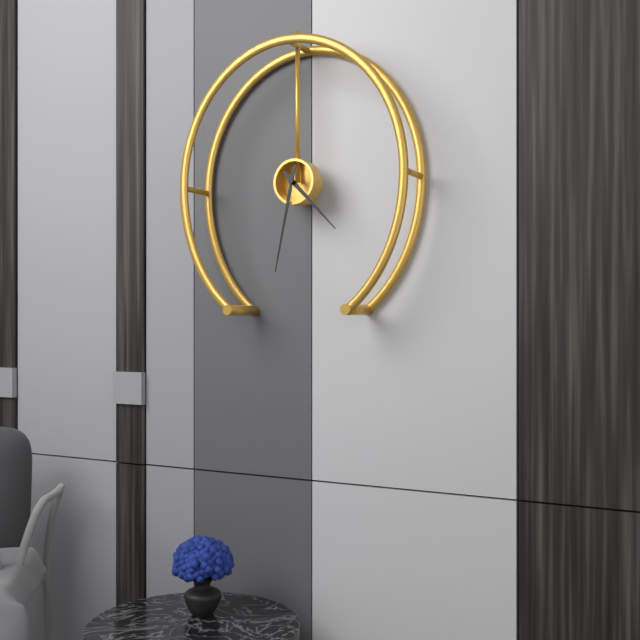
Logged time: 4,32
